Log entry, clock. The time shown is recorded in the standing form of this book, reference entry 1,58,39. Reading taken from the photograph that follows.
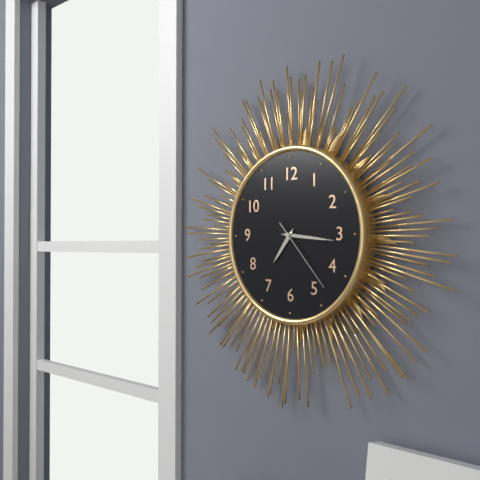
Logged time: 7,16,23
